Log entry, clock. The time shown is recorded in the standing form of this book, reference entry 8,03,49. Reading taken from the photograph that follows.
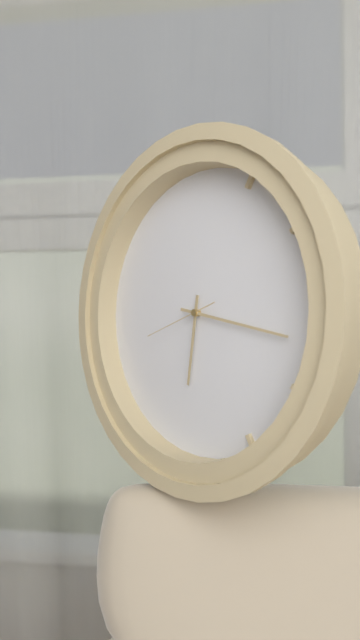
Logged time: 6,17,42
